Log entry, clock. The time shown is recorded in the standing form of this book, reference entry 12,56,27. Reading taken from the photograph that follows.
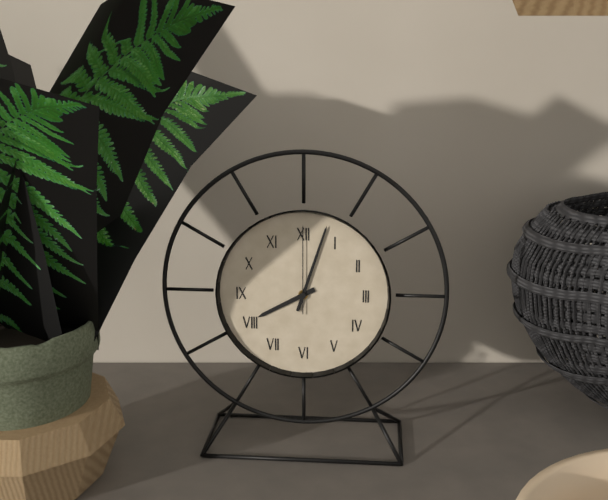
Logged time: 8,03,00
